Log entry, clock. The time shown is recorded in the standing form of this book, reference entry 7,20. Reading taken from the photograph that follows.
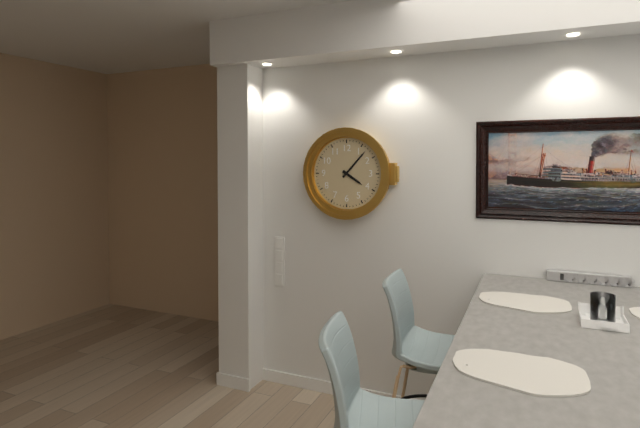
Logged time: 4,07
